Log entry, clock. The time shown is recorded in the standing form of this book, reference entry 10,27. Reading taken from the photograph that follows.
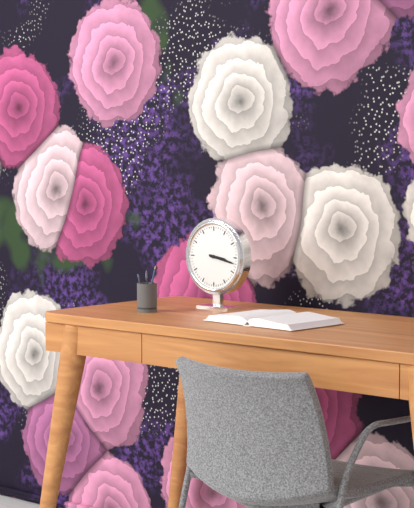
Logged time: 3,17
